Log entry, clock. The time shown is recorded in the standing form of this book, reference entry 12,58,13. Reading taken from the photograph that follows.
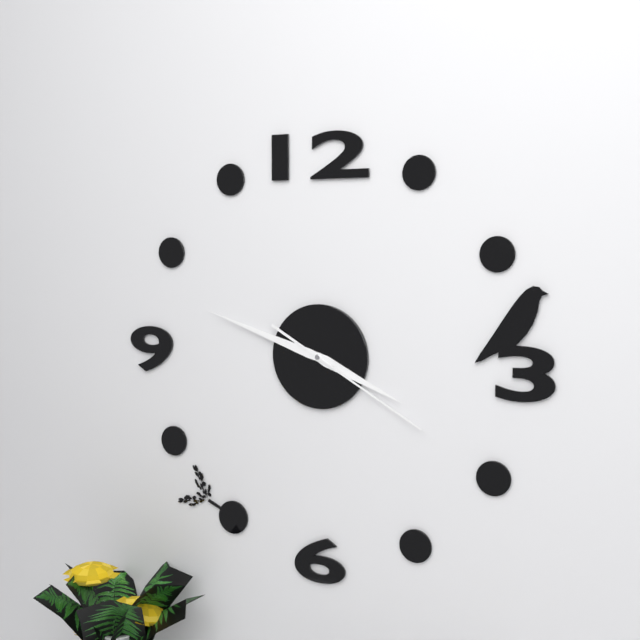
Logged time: 3,48,20
